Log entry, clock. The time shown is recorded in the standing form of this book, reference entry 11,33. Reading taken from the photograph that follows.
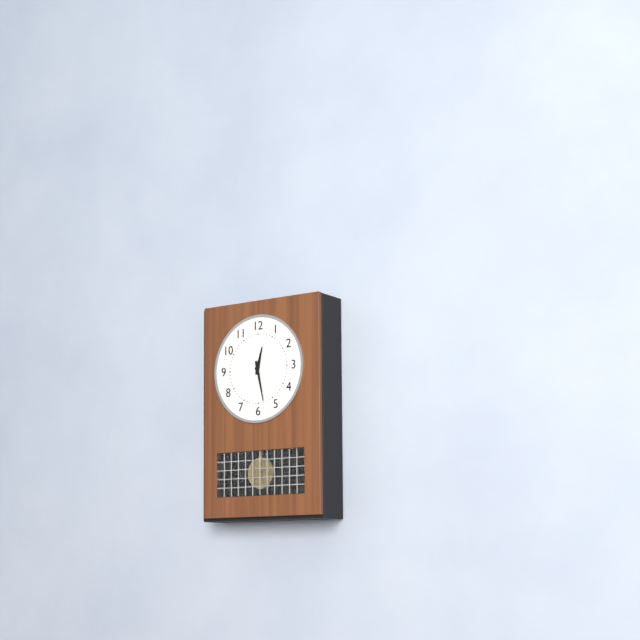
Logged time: 12,28
